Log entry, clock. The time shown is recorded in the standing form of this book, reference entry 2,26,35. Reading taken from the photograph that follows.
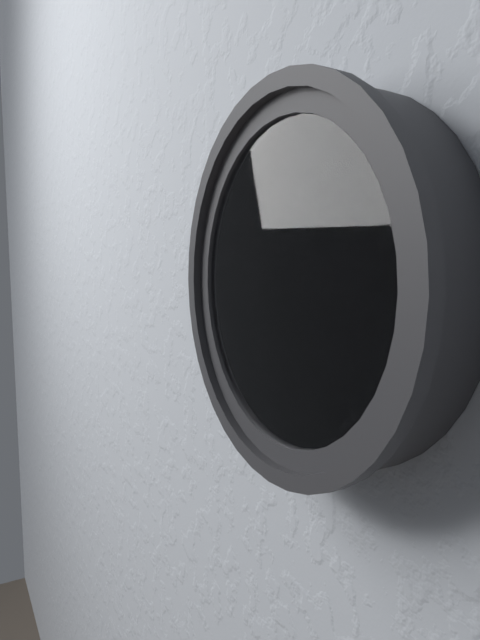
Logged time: 9,07,25
